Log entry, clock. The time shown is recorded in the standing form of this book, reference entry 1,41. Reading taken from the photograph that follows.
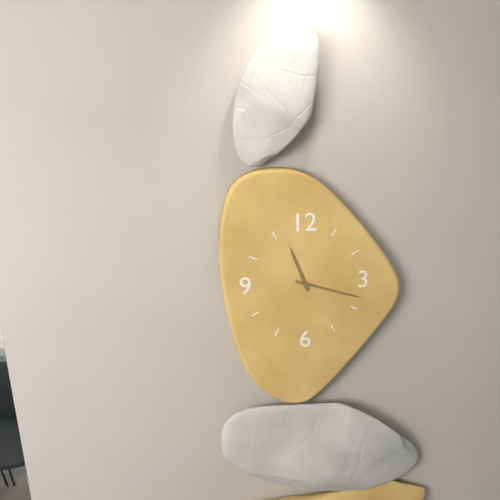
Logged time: 11,18
